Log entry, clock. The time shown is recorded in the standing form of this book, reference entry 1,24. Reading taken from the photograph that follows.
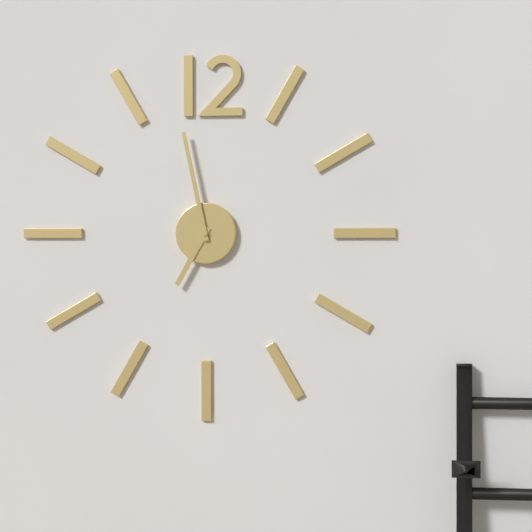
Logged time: 6,58
